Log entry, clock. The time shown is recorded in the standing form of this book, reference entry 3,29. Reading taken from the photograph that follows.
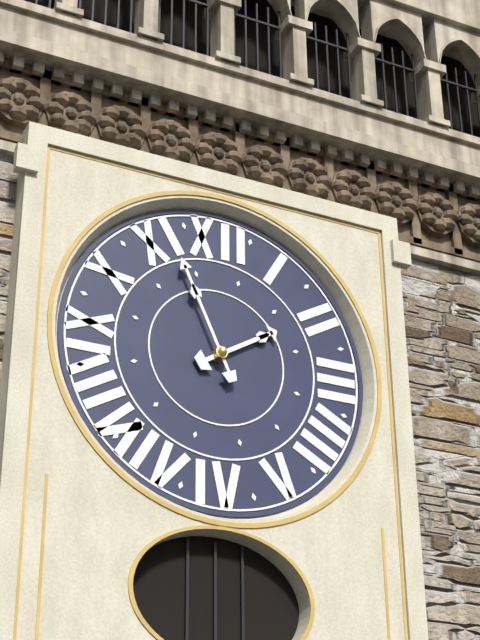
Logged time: 1,56
